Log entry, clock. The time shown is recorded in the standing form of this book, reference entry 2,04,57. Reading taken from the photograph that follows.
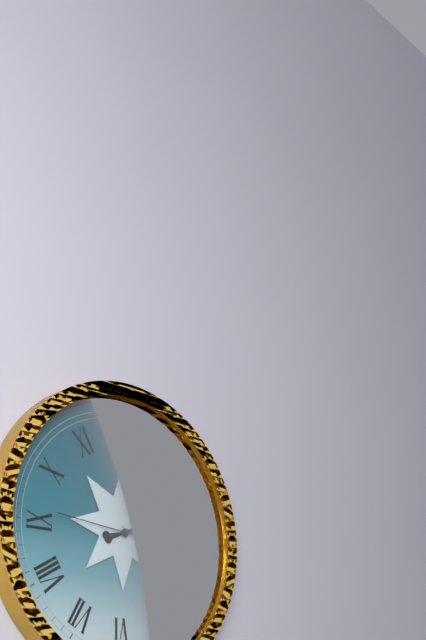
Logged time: 2,13,46
